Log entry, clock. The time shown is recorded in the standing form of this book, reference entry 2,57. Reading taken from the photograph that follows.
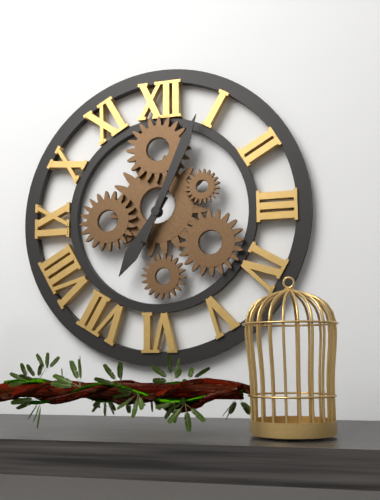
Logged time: 7,04
